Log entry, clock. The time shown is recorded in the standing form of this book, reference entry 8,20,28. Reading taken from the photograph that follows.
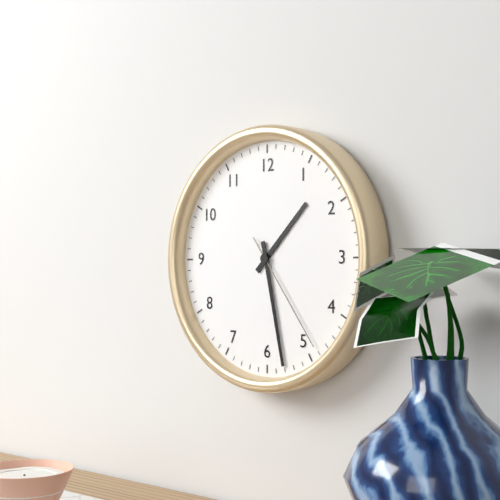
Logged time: 1,28,24
